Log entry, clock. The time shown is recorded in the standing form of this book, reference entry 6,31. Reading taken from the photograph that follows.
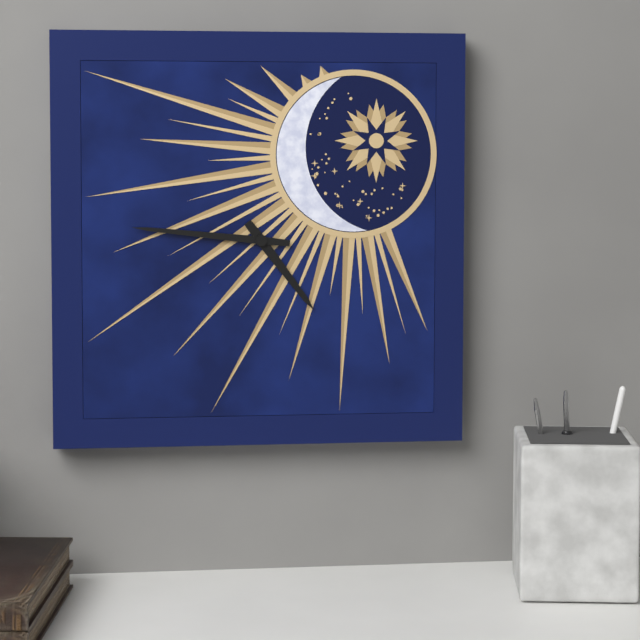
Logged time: 4,46
